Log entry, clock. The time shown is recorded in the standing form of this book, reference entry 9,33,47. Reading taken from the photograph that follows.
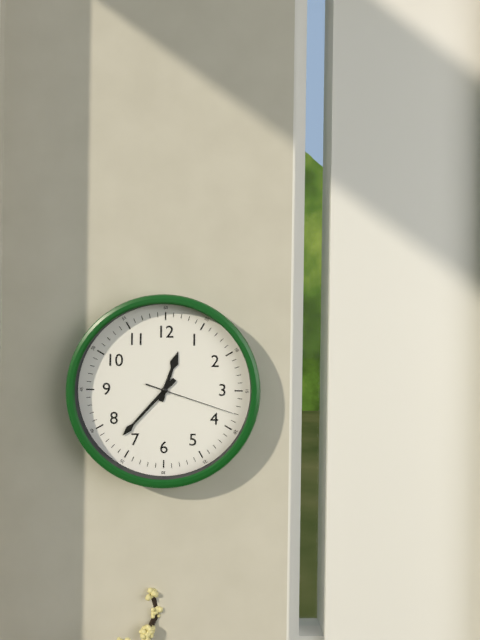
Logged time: 12,37,18
